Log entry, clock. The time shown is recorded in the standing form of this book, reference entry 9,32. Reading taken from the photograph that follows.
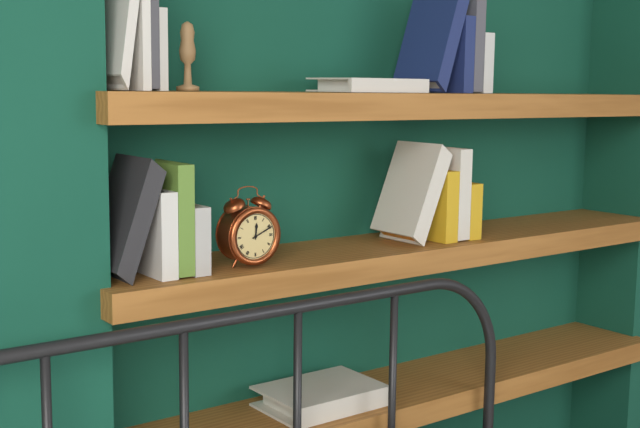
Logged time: 12,11
